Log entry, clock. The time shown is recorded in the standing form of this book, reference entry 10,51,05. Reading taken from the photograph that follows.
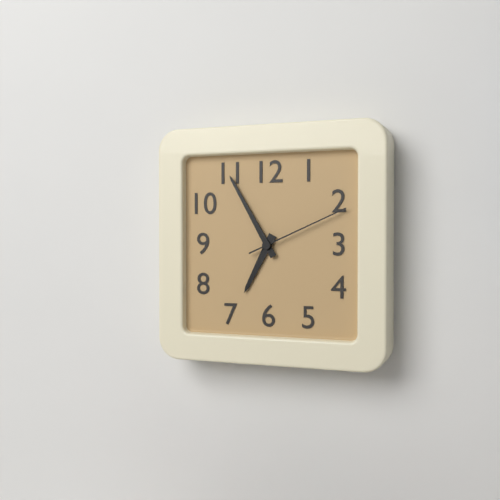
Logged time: 6,55,11
